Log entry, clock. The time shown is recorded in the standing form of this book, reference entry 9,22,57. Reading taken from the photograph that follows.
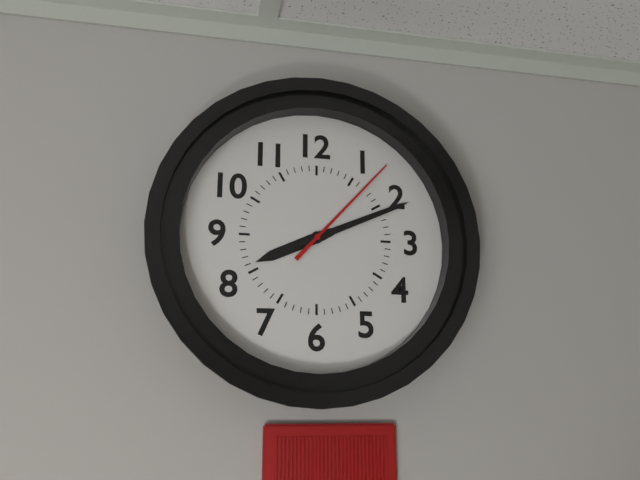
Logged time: 8,11,07
